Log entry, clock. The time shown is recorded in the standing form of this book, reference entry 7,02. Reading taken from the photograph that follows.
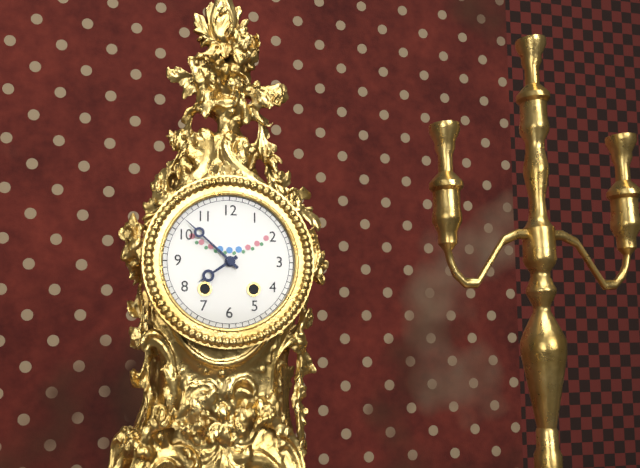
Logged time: 7,52
